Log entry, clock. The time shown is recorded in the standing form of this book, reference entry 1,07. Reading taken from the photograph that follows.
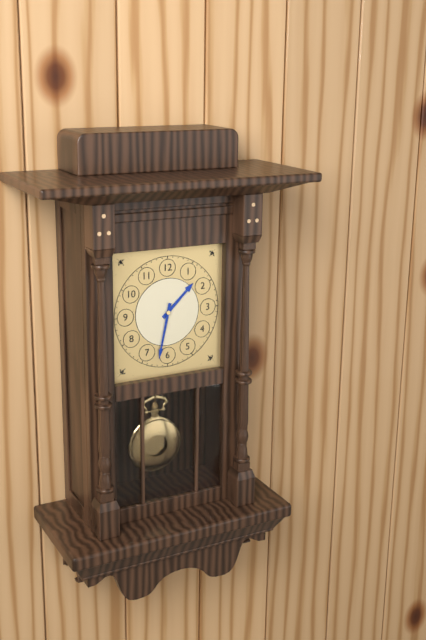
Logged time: 1,32
